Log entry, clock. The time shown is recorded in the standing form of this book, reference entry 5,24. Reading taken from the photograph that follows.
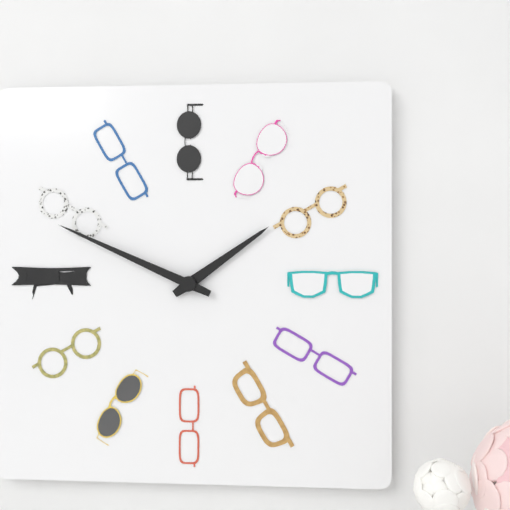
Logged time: 1,49
